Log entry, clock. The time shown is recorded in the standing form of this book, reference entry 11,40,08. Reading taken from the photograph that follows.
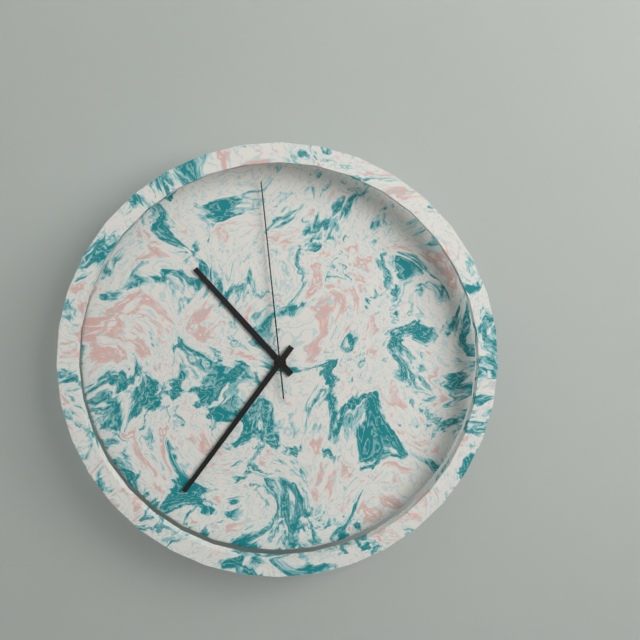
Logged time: 10,36,59
